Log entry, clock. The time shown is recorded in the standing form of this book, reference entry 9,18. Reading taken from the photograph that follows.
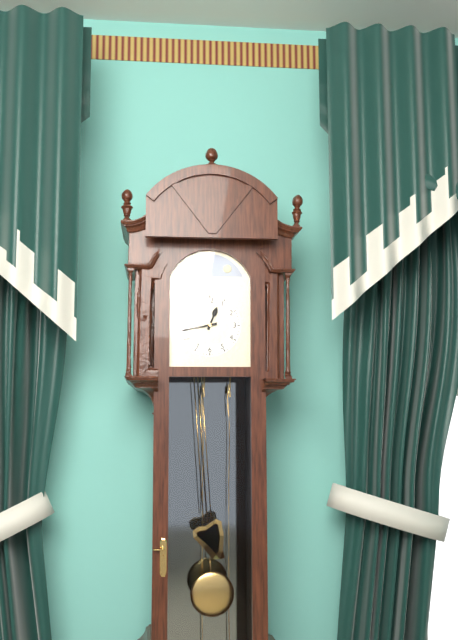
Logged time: 12,43
